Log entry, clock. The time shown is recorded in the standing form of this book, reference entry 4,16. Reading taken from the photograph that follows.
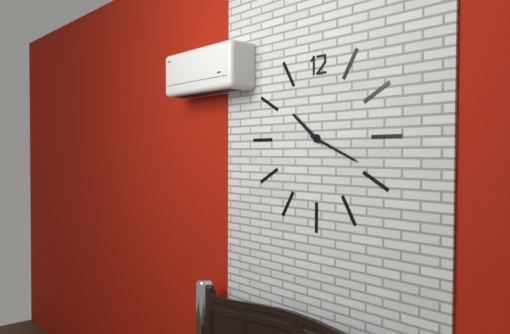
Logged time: 10,19
